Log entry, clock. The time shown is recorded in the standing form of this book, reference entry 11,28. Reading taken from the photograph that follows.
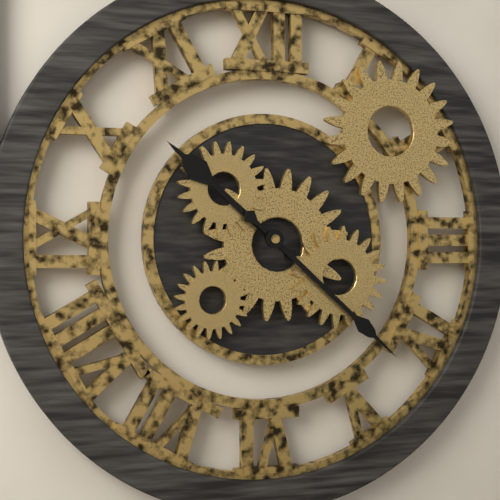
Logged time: 10,22
